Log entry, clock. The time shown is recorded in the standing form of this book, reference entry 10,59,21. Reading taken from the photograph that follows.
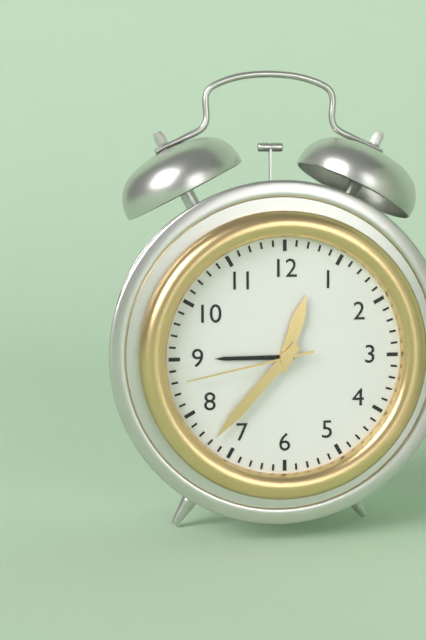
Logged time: 12,37,43
